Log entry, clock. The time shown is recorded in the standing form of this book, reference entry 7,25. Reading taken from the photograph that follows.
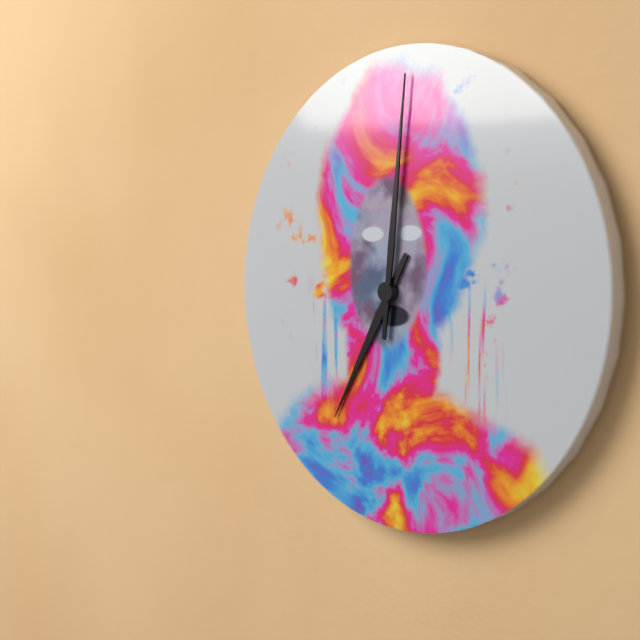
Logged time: 7,01
